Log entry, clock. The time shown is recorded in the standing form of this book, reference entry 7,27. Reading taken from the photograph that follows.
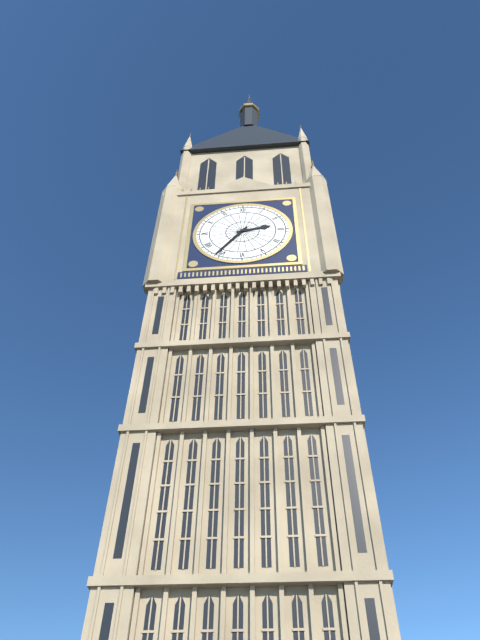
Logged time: 2,36
